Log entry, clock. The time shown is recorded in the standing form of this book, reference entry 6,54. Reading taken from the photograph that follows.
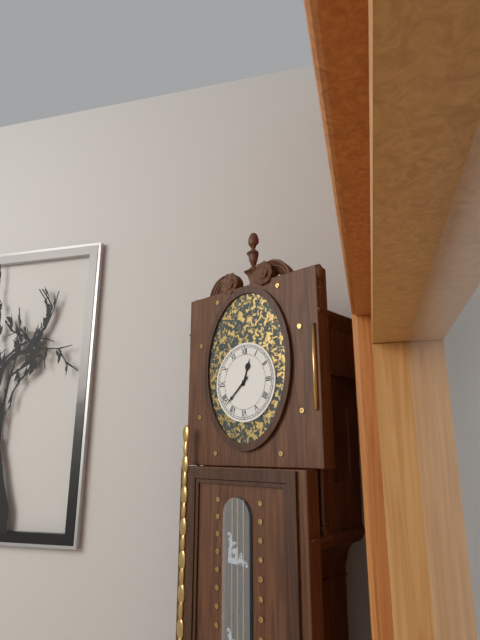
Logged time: 12,38
